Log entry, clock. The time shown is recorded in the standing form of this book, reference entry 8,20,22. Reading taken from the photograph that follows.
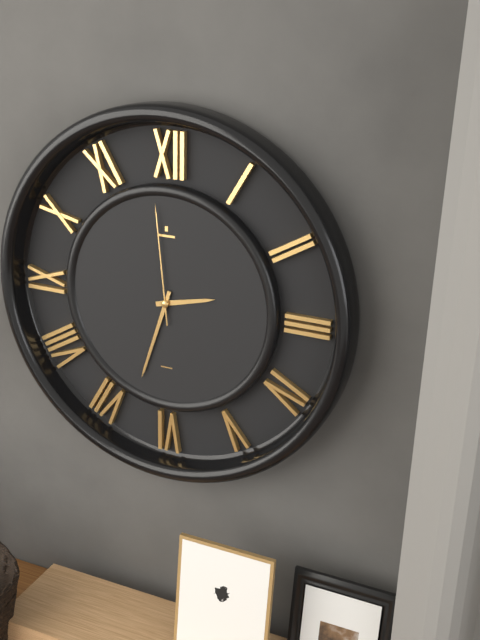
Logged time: 2,33,59
